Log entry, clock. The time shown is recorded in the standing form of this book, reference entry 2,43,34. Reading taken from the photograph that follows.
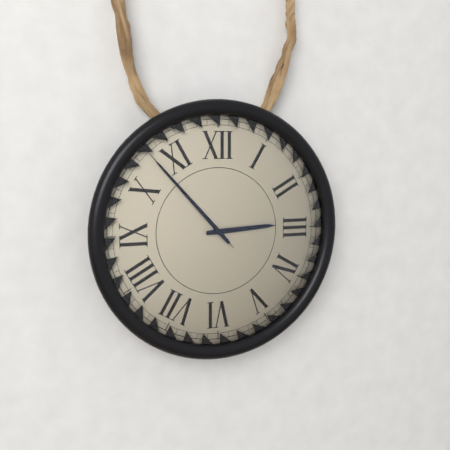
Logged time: 2,53,53
